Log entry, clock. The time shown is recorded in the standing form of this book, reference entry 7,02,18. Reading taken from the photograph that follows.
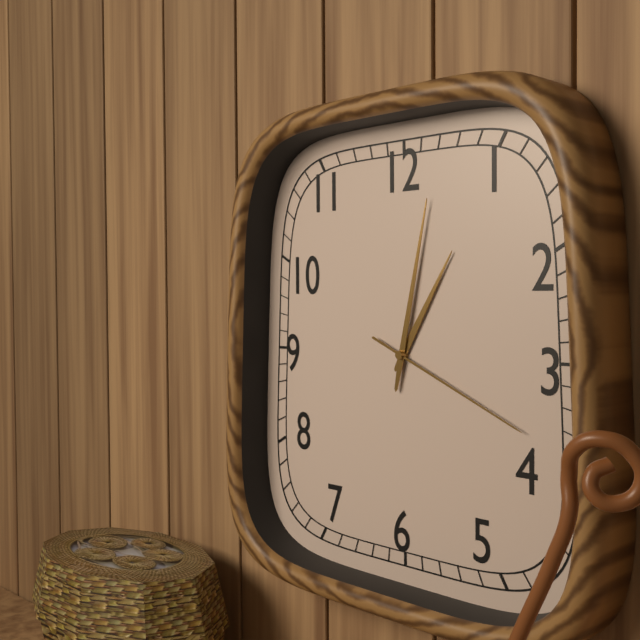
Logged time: 1,02,19
